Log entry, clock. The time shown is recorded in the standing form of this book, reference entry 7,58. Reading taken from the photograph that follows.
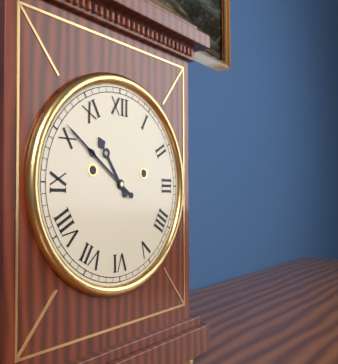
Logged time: 10,51
